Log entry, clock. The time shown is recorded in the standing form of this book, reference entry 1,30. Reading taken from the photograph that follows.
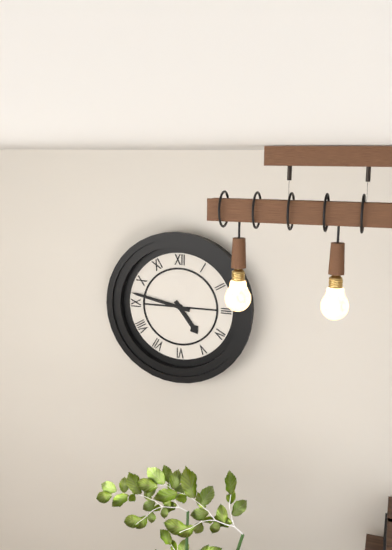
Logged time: 4,47
